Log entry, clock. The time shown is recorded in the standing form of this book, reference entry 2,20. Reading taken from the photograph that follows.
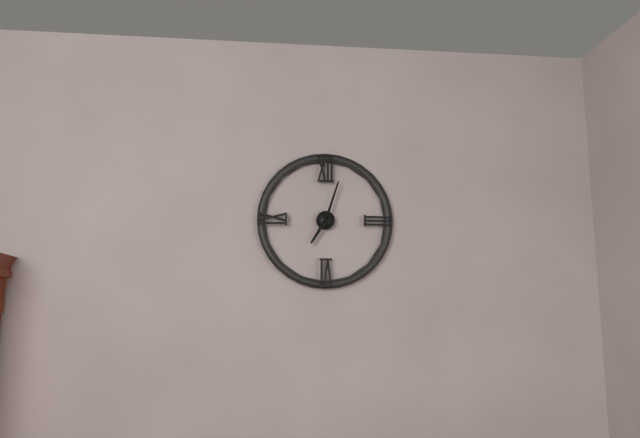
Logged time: 7,03
